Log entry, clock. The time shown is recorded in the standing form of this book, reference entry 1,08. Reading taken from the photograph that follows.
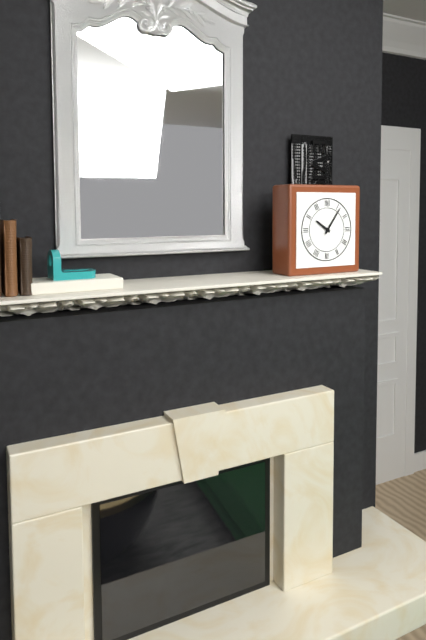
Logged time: 10,06
